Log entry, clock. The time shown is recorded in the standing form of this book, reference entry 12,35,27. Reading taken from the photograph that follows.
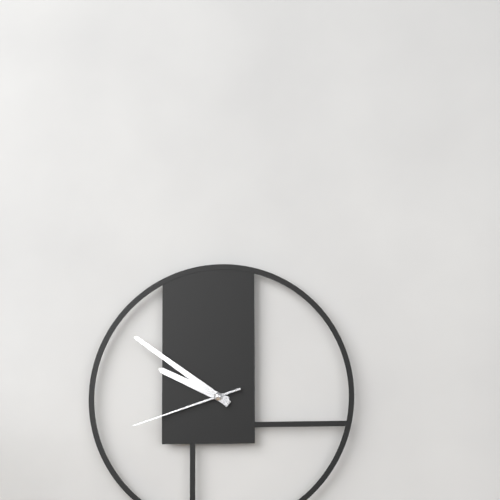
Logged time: 9,51,42
